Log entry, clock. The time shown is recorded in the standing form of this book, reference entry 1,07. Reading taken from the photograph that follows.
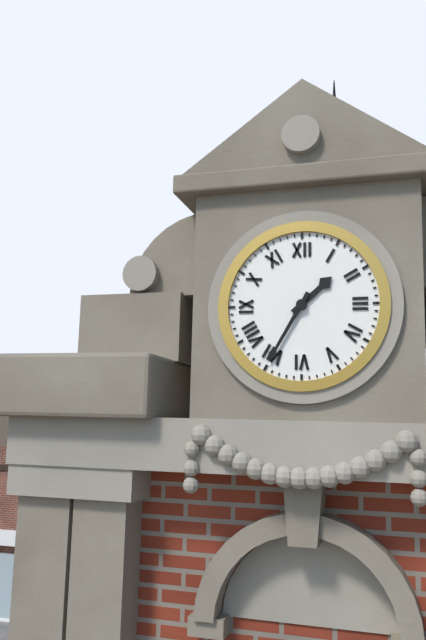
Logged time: 1,35
